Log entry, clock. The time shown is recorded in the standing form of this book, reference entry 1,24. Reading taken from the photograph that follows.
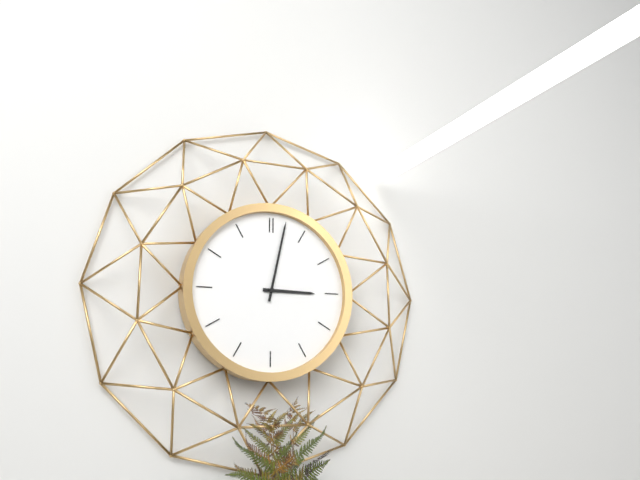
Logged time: 3,02
